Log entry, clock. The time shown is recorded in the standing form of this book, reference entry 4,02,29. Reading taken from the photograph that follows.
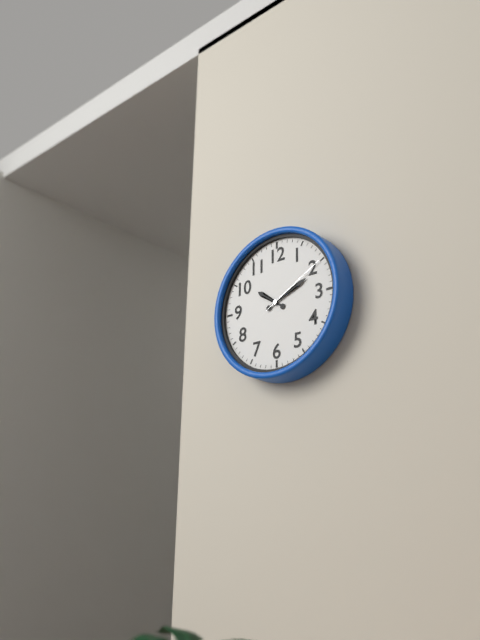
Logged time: 10,11,10
